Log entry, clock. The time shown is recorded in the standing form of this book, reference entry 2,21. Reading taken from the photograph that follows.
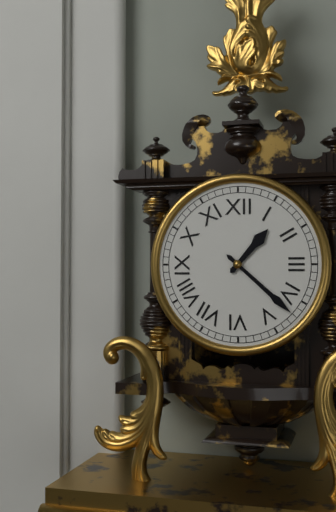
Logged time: 1,22
